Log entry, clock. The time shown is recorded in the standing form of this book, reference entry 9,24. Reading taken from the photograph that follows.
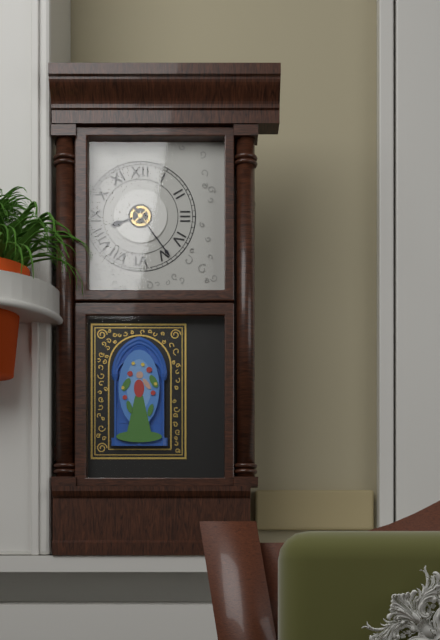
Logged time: 8,24
